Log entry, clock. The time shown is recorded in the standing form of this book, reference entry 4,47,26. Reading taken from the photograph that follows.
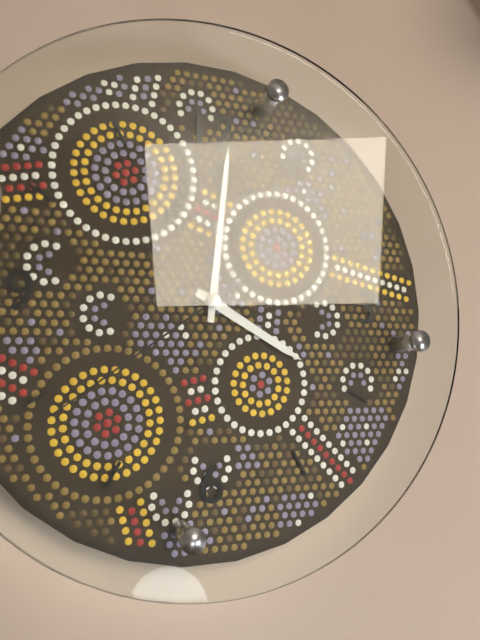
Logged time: 4,01,39
